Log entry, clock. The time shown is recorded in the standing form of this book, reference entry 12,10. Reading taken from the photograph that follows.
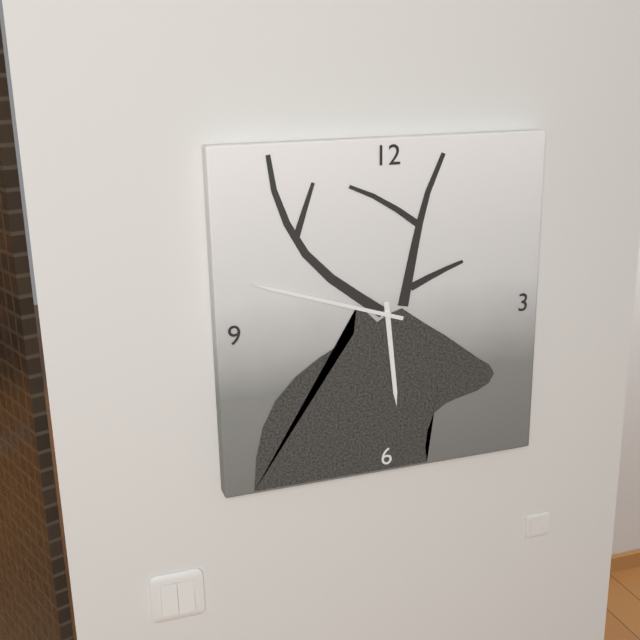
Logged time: 5,48
